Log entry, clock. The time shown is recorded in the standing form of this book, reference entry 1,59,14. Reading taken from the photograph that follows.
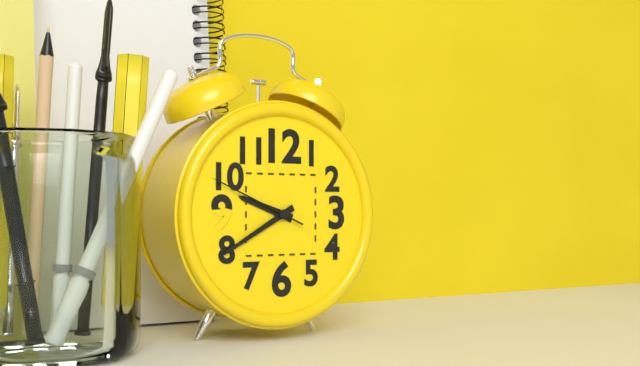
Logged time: 9,40,49
